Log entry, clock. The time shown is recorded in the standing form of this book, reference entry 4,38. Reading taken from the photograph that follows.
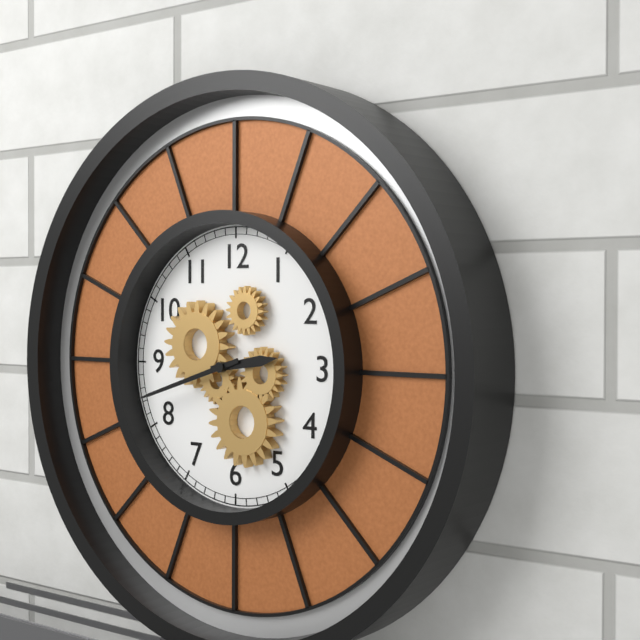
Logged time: 2,42
